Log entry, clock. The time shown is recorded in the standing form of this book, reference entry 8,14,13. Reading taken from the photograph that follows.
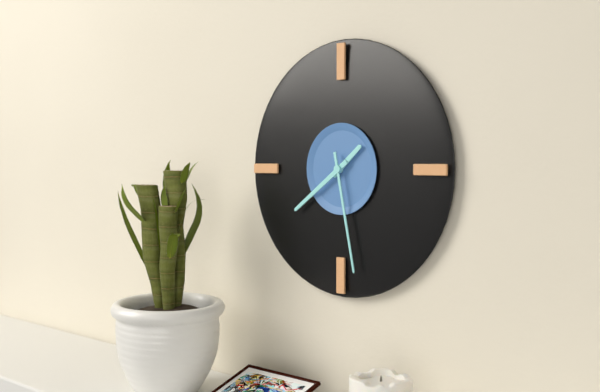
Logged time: 1,39,28
